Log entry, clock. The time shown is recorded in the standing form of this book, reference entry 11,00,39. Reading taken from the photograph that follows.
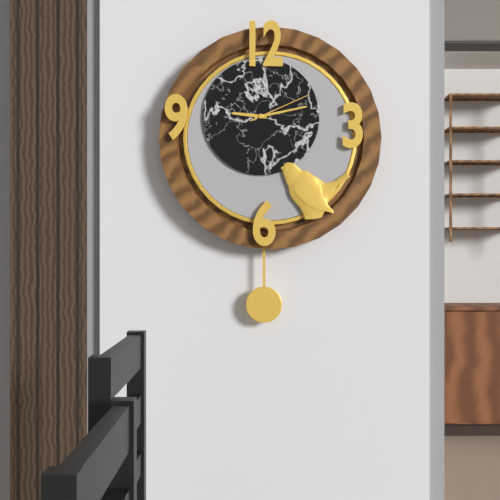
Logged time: 9,13,11
